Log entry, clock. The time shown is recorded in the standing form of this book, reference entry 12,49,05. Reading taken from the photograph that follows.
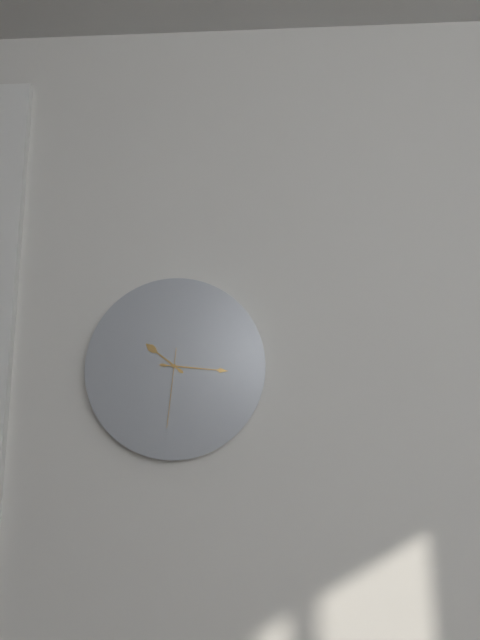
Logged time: 10,16,31
